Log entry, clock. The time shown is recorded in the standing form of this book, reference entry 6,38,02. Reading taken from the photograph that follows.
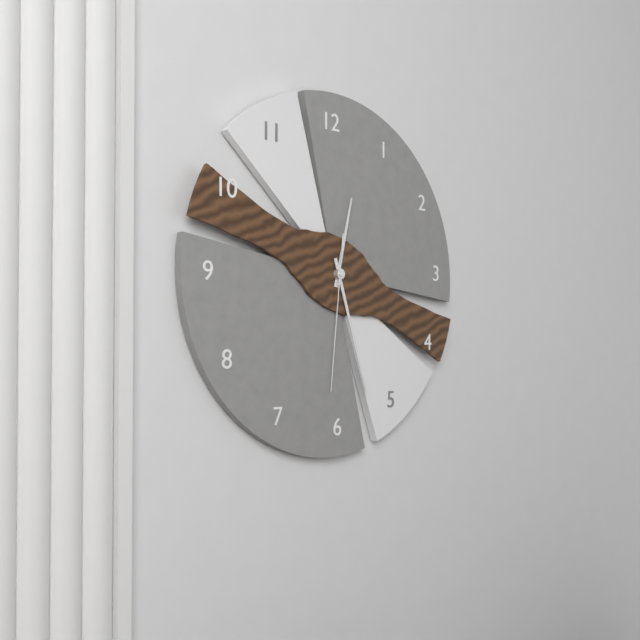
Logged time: 12,27,31
